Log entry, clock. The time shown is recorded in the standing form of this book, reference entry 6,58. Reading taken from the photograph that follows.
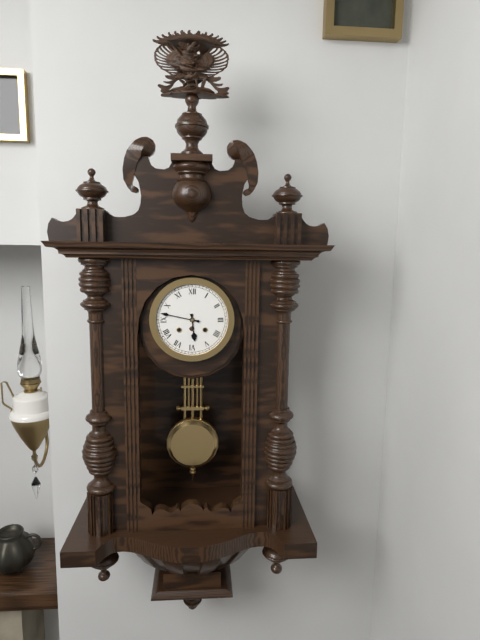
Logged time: 5,47
